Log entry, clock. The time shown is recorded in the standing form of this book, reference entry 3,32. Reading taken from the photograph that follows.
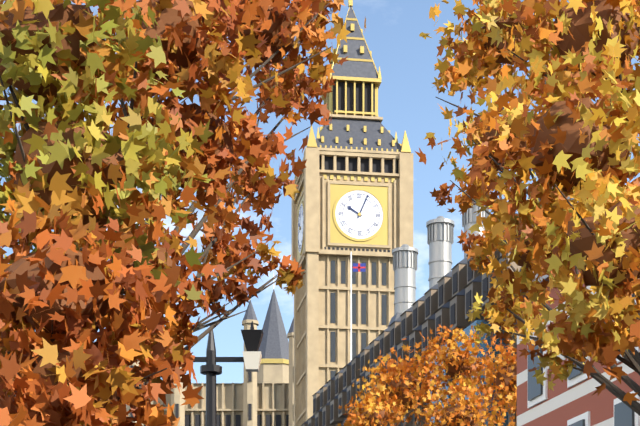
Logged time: 10,04
